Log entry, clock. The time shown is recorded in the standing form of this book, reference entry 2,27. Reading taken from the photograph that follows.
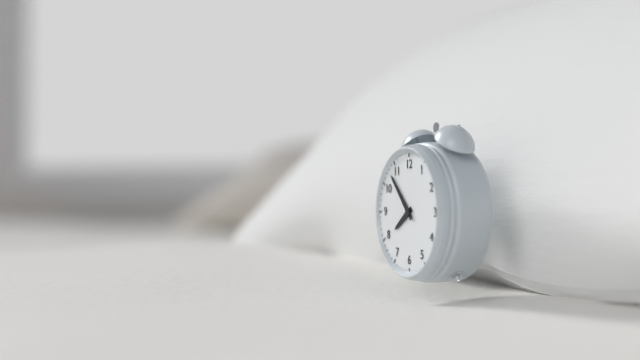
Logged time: 7,53
